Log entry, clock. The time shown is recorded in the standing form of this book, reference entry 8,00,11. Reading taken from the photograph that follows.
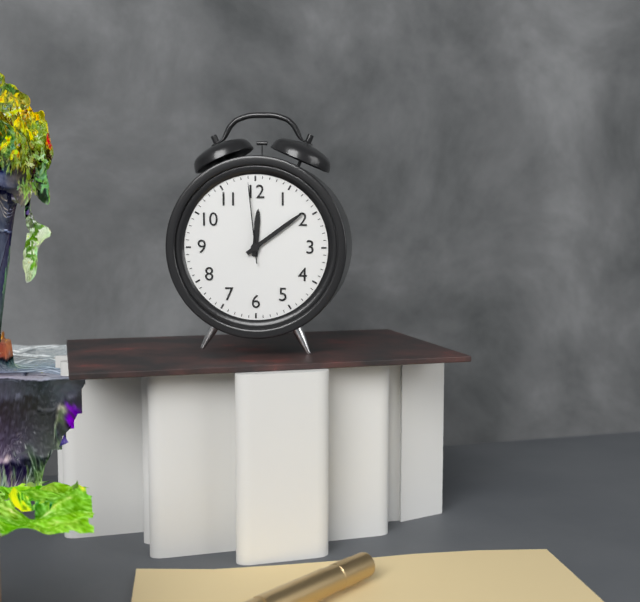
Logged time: 12,09,59
